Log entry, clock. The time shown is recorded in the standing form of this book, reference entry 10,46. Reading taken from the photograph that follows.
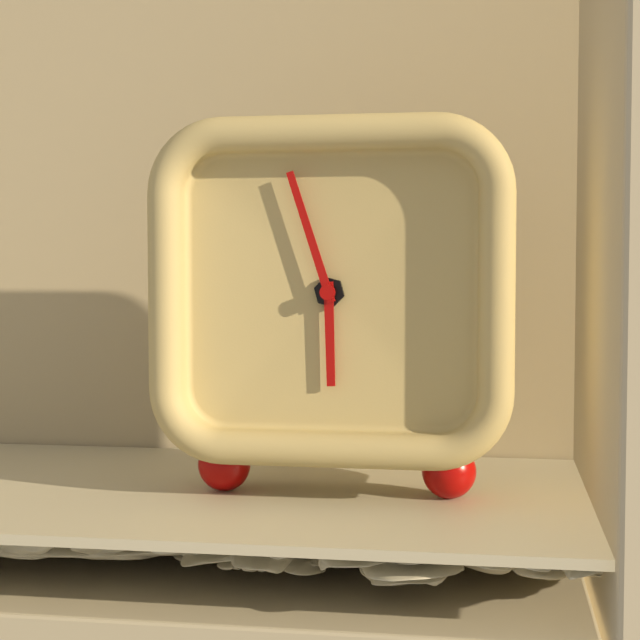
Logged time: 5,57
